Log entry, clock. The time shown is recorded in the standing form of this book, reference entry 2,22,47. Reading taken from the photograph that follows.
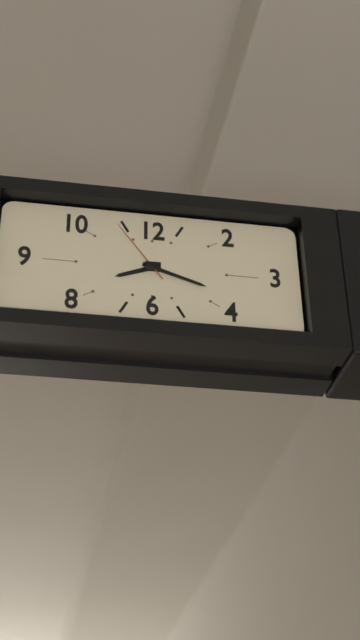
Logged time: 8,18,54
